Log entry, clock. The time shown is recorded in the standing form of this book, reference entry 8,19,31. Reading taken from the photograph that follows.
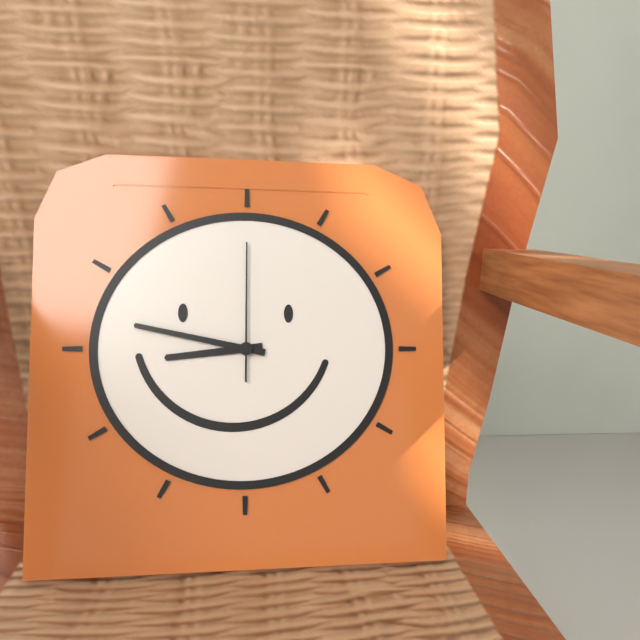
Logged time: 8,47,00
